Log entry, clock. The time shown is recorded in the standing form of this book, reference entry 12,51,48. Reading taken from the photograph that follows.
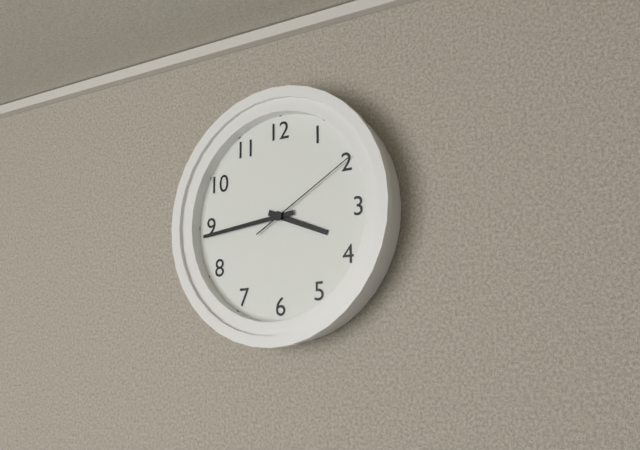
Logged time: 3,44,10
